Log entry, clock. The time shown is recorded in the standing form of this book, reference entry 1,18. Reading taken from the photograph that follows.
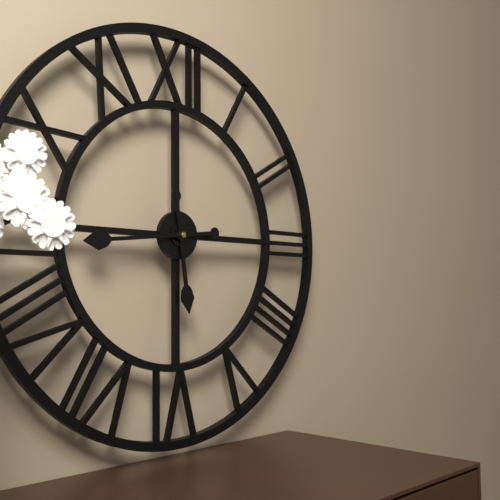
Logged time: 5,44
